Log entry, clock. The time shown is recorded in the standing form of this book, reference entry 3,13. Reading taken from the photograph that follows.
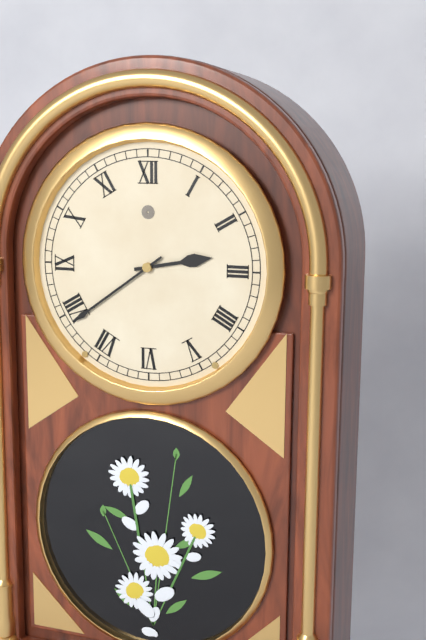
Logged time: 2,39
